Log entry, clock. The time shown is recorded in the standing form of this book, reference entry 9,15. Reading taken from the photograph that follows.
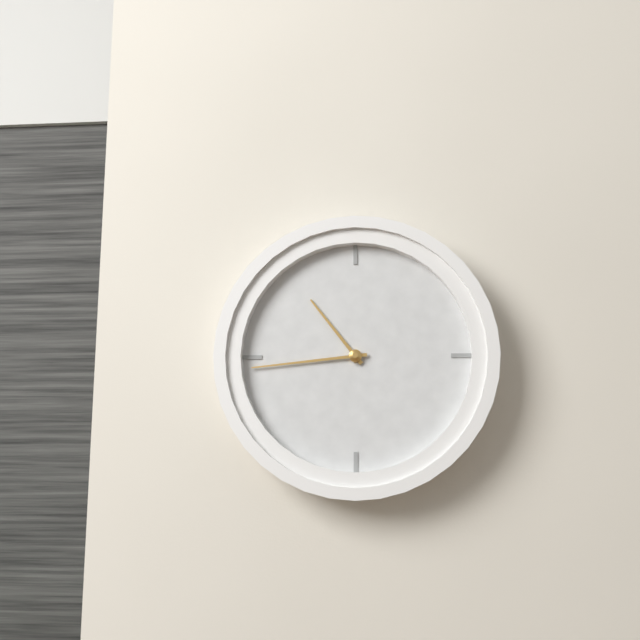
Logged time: 10,44
